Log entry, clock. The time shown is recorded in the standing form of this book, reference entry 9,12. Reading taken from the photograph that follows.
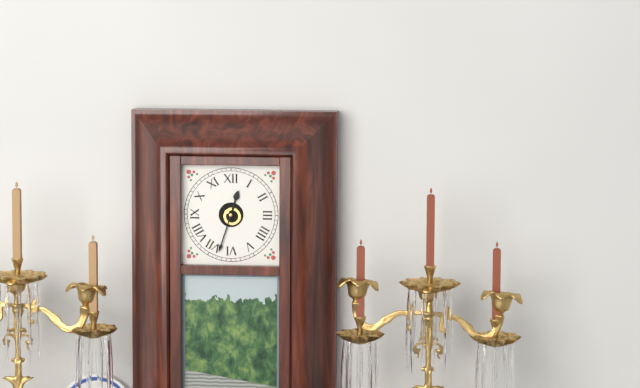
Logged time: 12,33
